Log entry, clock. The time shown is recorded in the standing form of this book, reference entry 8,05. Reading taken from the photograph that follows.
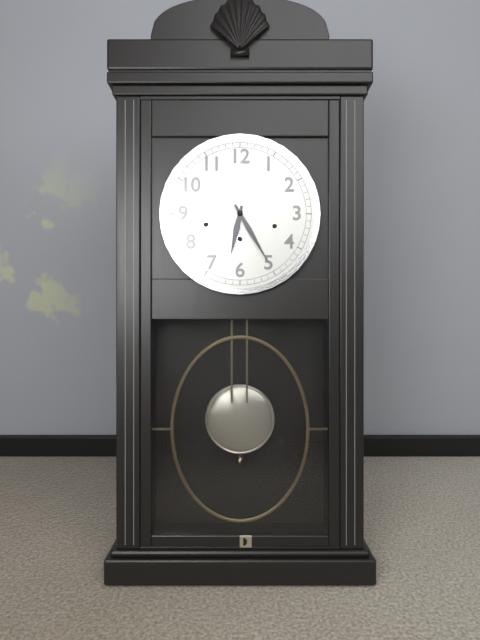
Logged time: 6,25
